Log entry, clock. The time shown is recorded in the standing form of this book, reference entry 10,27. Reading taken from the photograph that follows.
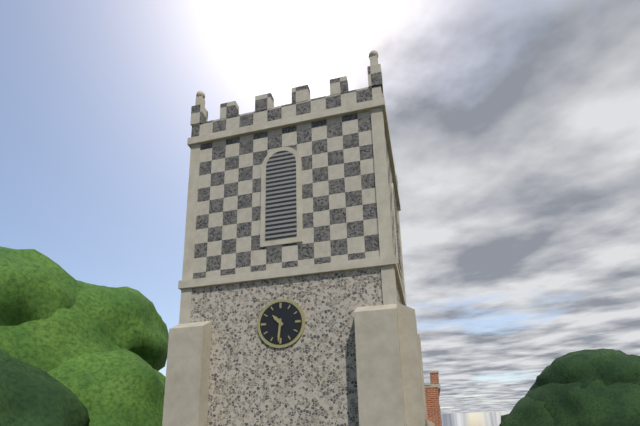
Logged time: 10,31
